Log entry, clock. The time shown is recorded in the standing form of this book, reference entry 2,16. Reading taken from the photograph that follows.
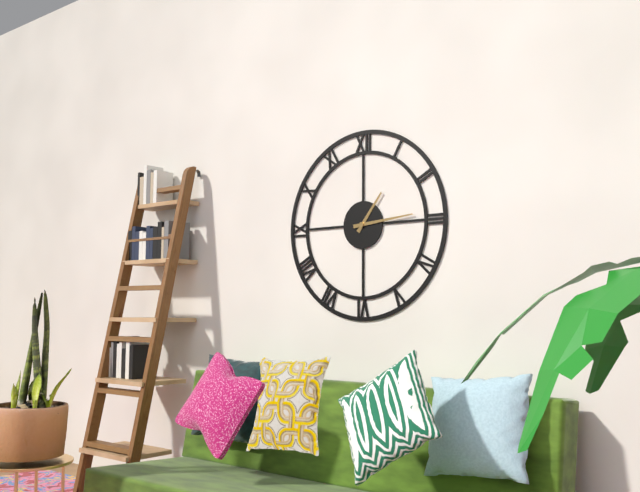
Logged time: 1,14
